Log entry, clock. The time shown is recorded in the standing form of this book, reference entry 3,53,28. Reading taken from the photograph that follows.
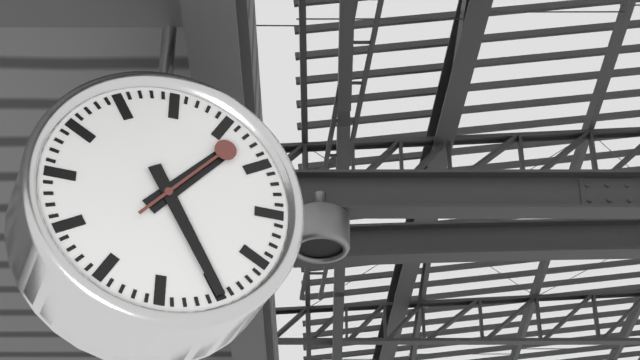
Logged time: 1,25,07
